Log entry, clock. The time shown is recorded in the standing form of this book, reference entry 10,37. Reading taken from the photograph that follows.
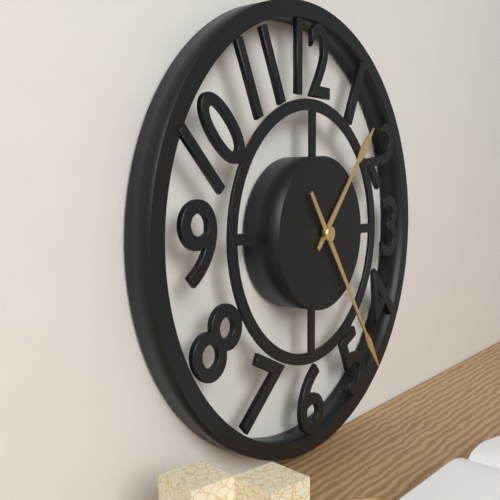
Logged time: 1,24
